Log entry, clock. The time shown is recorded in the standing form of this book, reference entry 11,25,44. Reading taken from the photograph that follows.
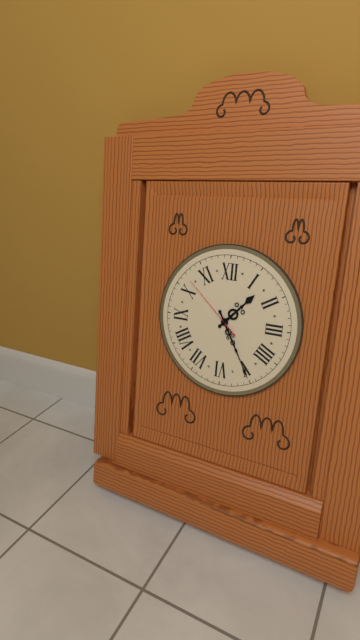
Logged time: 1,25,52
